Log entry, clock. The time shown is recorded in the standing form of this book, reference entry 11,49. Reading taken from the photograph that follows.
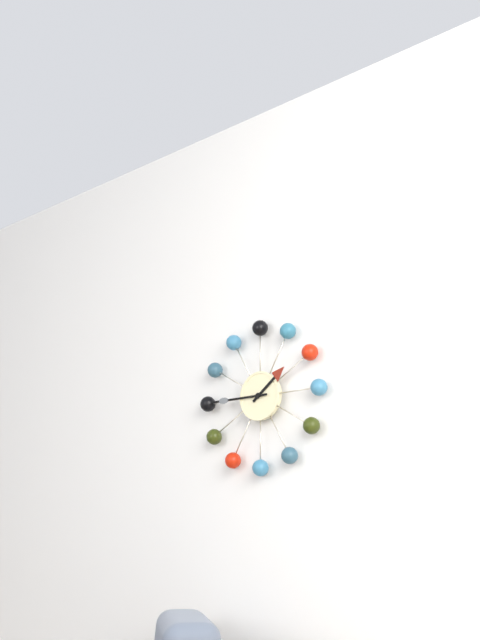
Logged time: 1,45
